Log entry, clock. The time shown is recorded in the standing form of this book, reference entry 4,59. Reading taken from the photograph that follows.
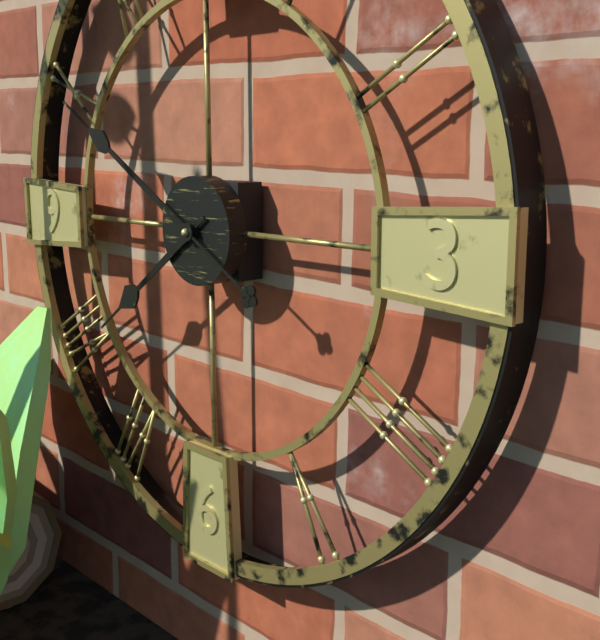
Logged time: 7,50
